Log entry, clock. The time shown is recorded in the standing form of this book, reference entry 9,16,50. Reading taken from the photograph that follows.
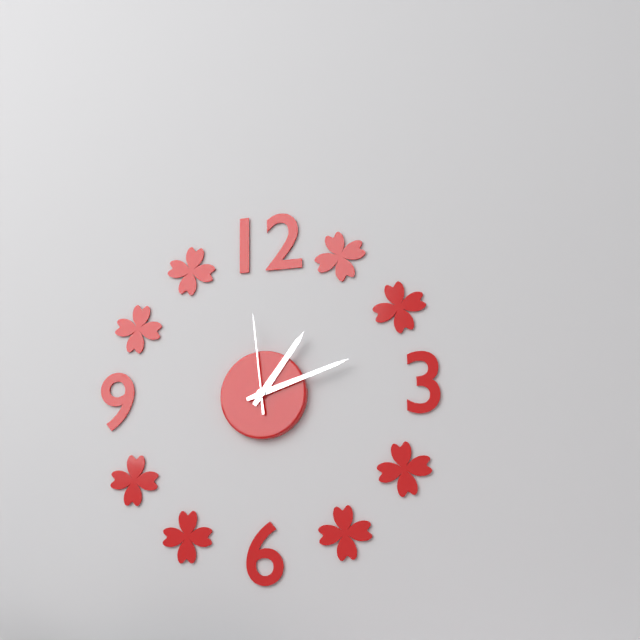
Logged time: 1,12,59
